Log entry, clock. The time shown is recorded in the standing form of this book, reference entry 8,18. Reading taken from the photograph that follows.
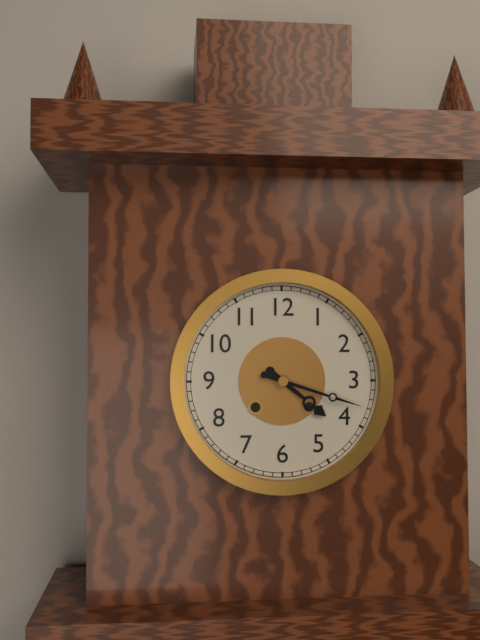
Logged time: 4,18
